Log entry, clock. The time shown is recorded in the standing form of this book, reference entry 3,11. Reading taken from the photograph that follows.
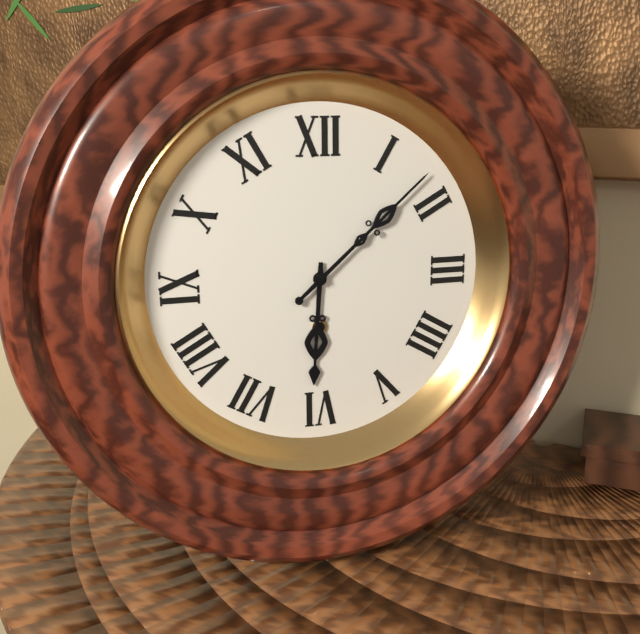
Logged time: 6,08
